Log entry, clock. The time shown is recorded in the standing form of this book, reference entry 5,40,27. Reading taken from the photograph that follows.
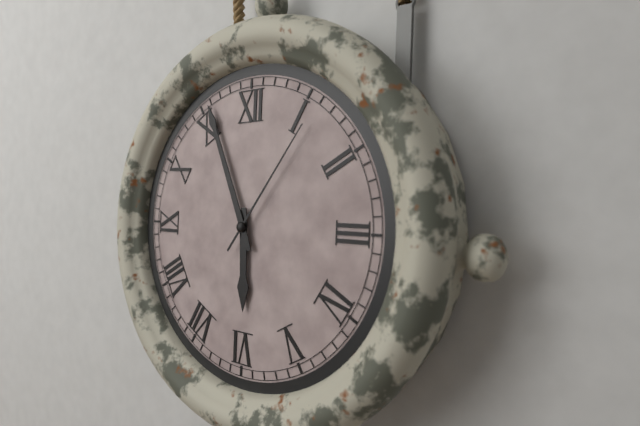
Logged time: 5,56,06
